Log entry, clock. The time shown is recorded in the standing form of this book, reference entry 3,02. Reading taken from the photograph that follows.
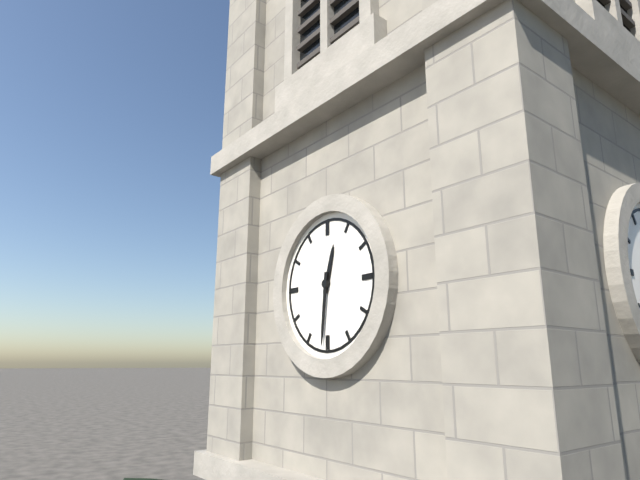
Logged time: 12,31
